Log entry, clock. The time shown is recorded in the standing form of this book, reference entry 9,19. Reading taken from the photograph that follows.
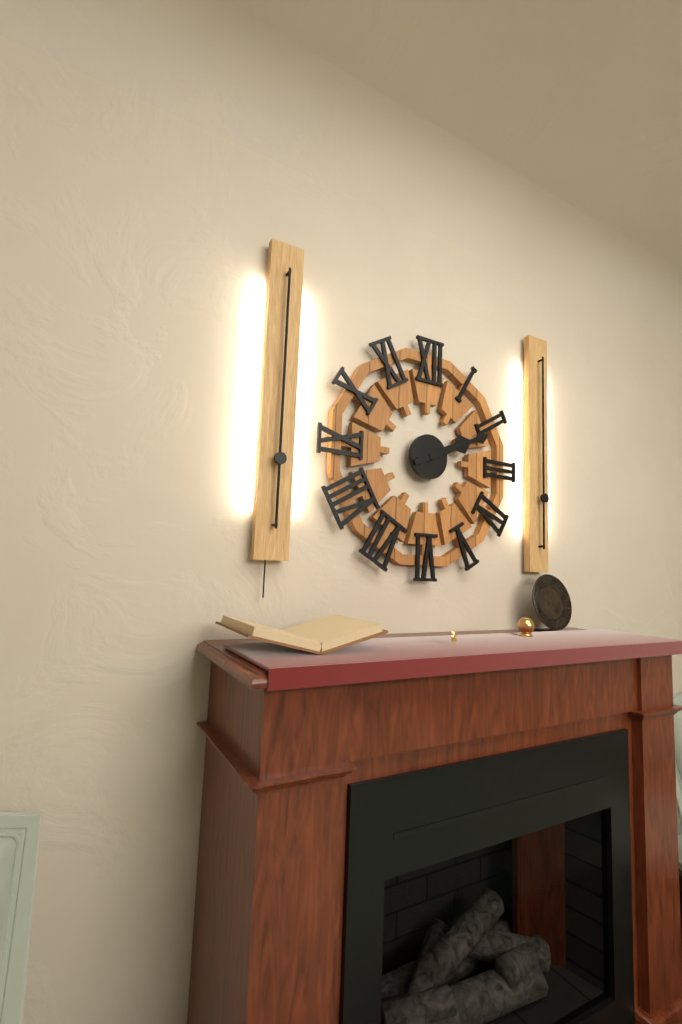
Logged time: 2,11
